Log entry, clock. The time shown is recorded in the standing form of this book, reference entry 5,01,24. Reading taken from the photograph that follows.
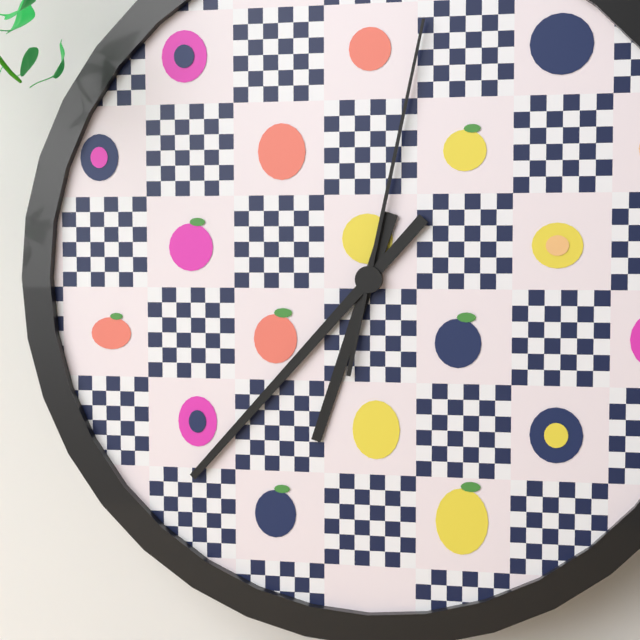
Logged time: 6,37,02
